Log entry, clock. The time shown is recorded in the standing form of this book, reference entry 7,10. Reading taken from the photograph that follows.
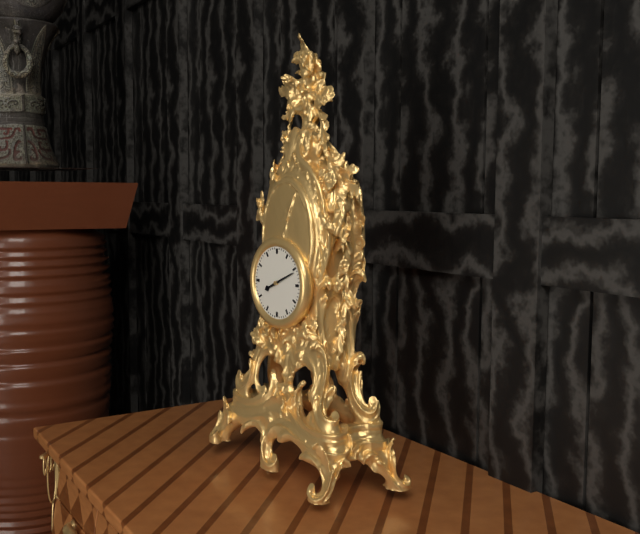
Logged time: 8,11
